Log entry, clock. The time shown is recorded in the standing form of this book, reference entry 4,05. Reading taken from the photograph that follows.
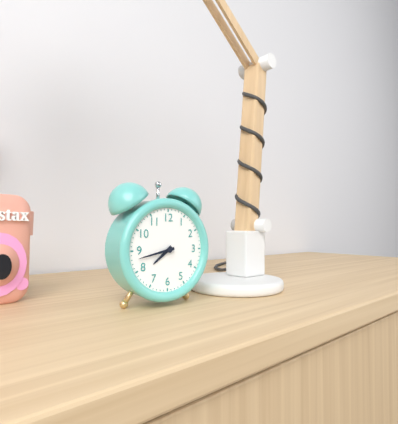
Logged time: 7,43
